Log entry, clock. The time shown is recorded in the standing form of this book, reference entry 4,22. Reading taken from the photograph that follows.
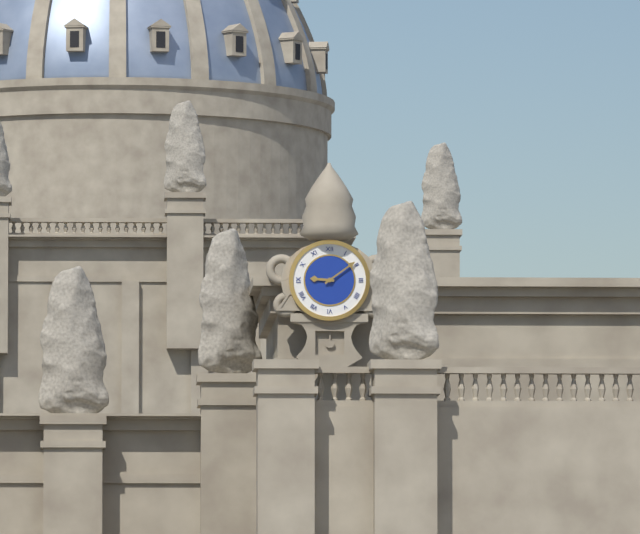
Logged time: 9,09
